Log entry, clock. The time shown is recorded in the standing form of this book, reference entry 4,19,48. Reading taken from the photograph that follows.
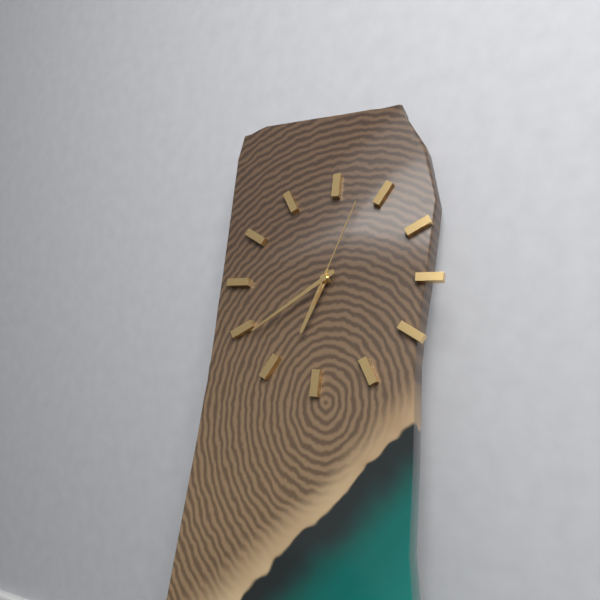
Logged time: 6,39,03
